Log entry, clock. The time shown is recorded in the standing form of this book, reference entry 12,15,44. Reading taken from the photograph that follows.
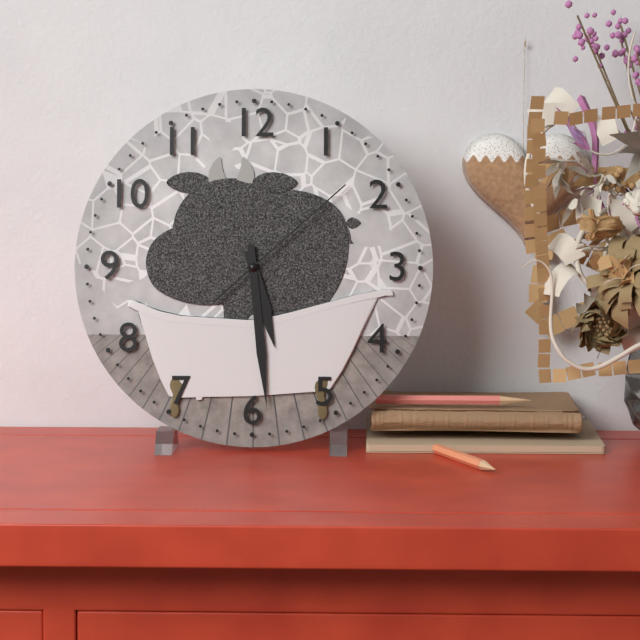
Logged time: 5,29,08
